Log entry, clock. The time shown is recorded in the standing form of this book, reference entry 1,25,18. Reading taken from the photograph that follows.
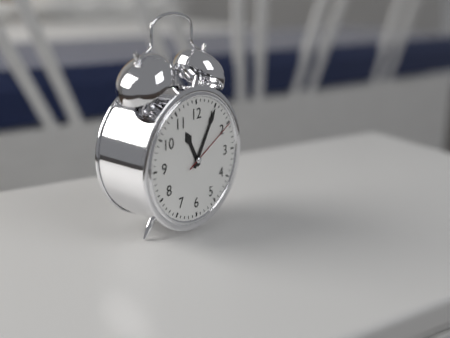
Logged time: 11,05,10
